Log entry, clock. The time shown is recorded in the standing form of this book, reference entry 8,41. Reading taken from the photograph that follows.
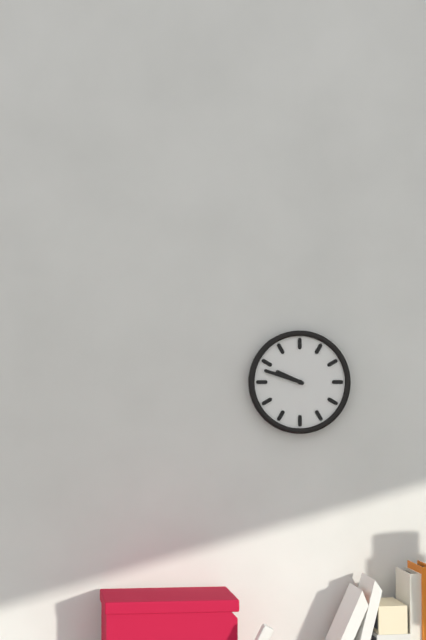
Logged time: 9,48
